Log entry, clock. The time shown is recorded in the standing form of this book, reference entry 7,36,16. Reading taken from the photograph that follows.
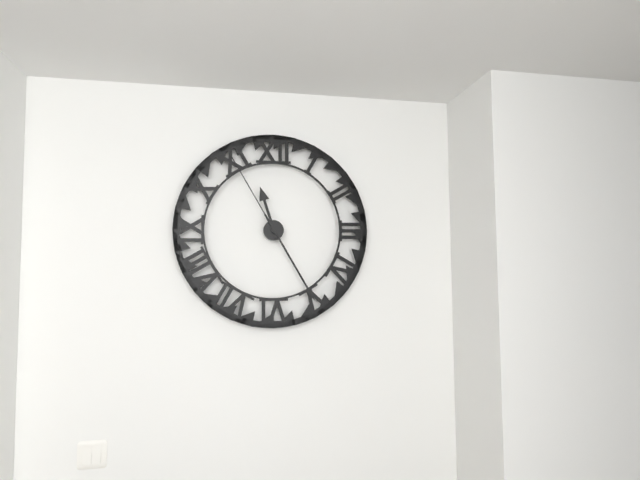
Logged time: 11,25,55
